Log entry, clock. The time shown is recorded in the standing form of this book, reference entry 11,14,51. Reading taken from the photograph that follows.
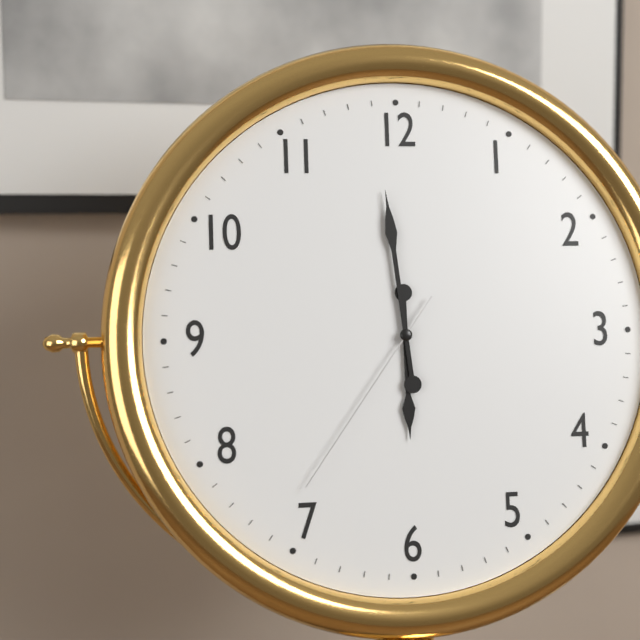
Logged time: 5,59,36
